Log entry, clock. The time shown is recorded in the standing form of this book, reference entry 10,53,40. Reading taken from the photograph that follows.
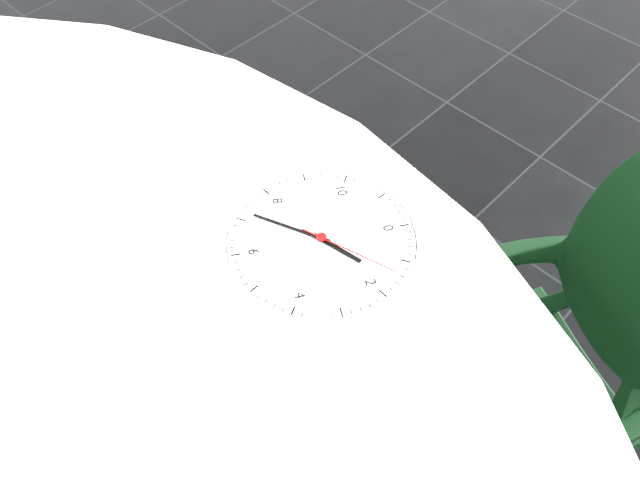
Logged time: 1,36,07
